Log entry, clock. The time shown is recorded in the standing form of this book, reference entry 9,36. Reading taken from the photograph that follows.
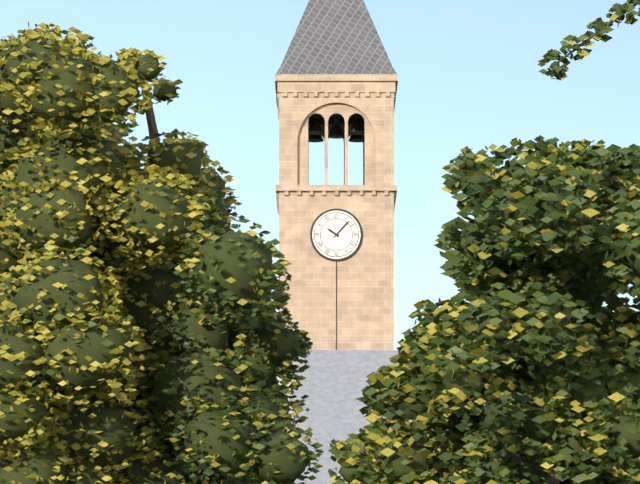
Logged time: 10,07
